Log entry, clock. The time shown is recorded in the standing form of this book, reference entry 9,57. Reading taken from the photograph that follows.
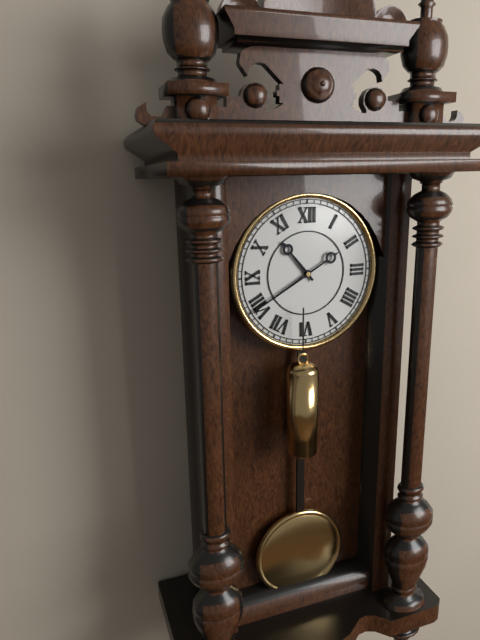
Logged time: 10,40
